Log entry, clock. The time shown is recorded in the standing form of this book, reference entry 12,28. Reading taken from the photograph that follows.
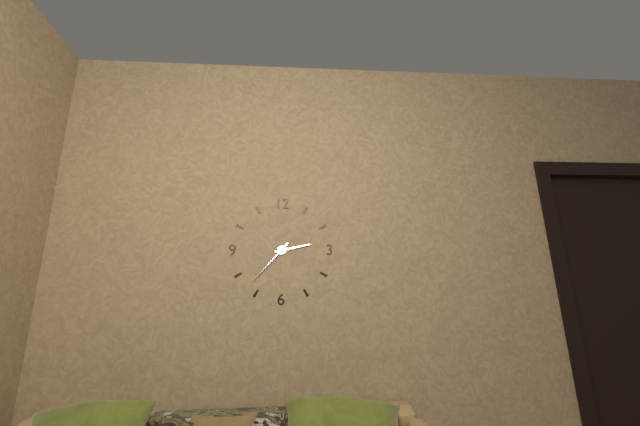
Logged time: 2,37
